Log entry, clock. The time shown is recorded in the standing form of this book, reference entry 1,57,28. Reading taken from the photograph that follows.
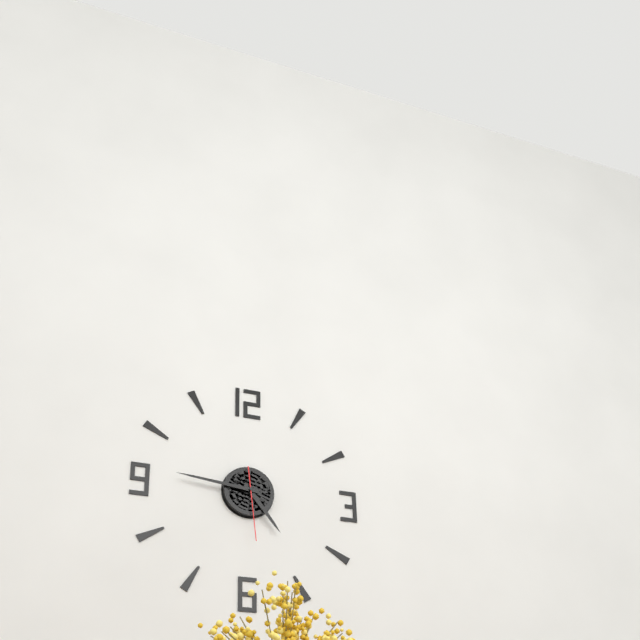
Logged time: 4,46,29
